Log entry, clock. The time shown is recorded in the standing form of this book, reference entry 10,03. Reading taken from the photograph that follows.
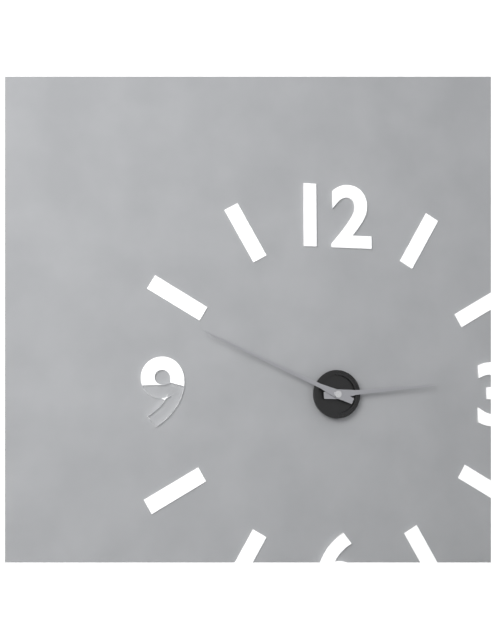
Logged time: 2,49
